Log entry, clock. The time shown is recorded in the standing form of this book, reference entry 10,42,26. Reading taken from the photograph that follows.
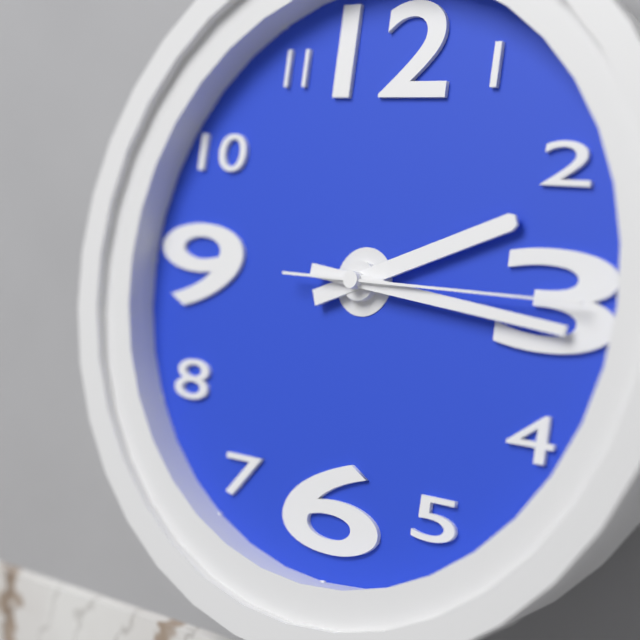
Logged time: 2,16,15
